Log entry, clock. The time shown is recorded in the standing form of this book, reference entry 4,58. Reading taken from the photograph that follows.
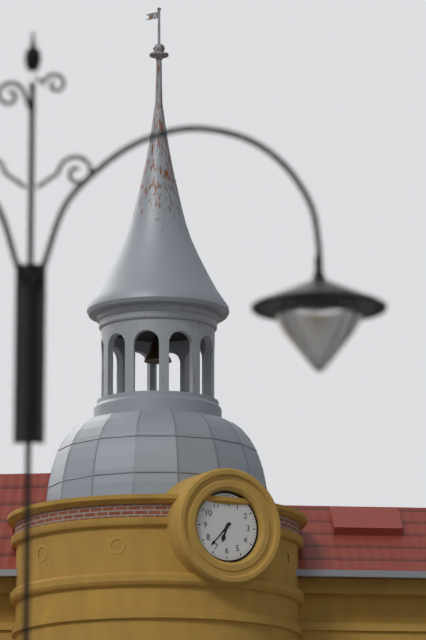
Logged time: 6,37
